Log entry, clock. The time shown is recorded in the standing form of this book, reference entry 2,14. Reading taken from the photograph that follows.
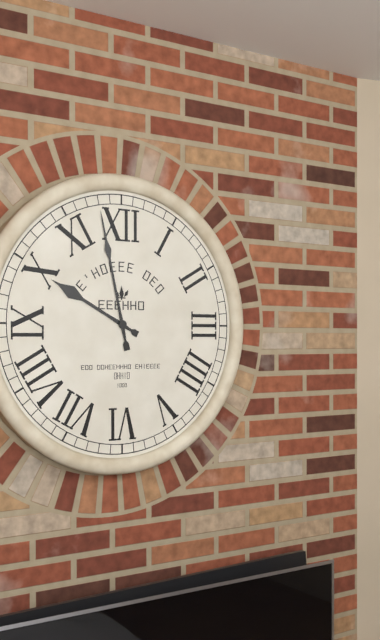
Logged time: 9,58
